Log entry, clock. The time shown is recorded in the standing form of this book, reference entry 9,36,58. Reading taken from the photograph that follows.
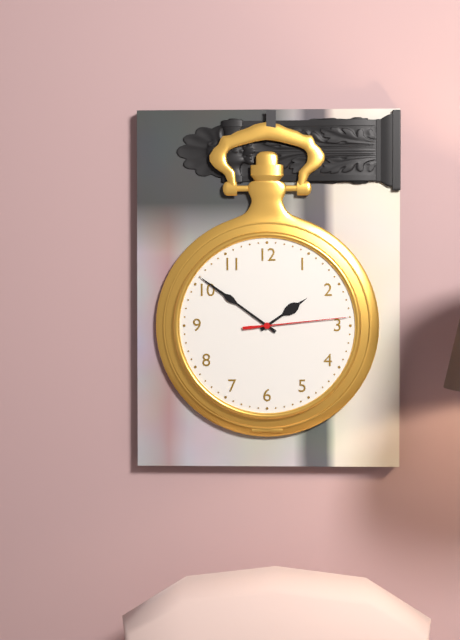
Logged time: 1,51,14
